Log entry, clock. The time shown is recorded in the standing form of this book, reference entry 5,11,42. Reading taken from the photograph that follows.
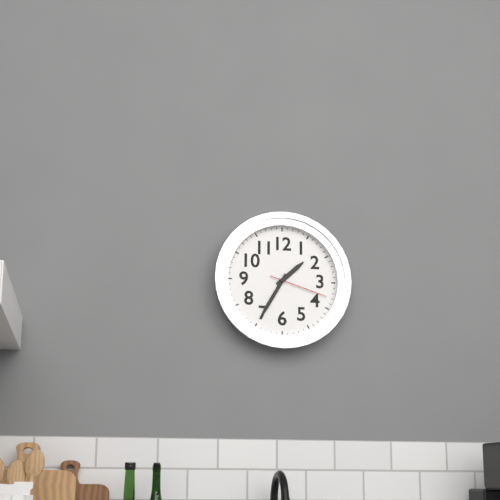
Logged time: 1,35,18
